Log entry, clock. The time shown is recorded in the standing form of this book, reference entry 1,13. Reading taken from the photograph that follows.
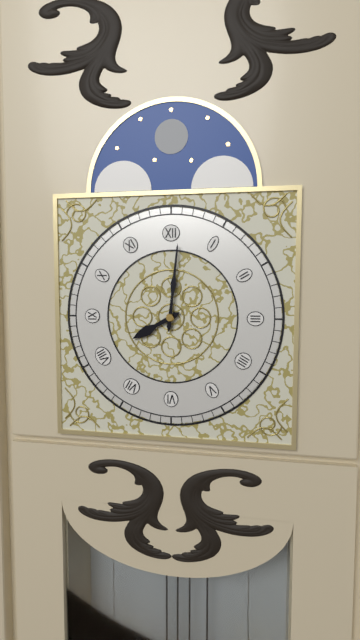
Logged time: 8,01
